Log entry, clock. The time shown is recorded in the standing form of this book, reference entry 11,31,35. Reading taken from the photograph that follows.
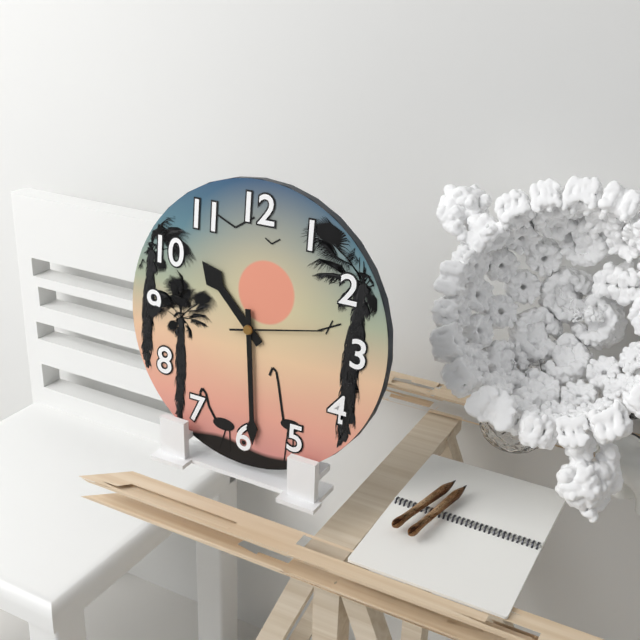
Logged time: 10,29,13
